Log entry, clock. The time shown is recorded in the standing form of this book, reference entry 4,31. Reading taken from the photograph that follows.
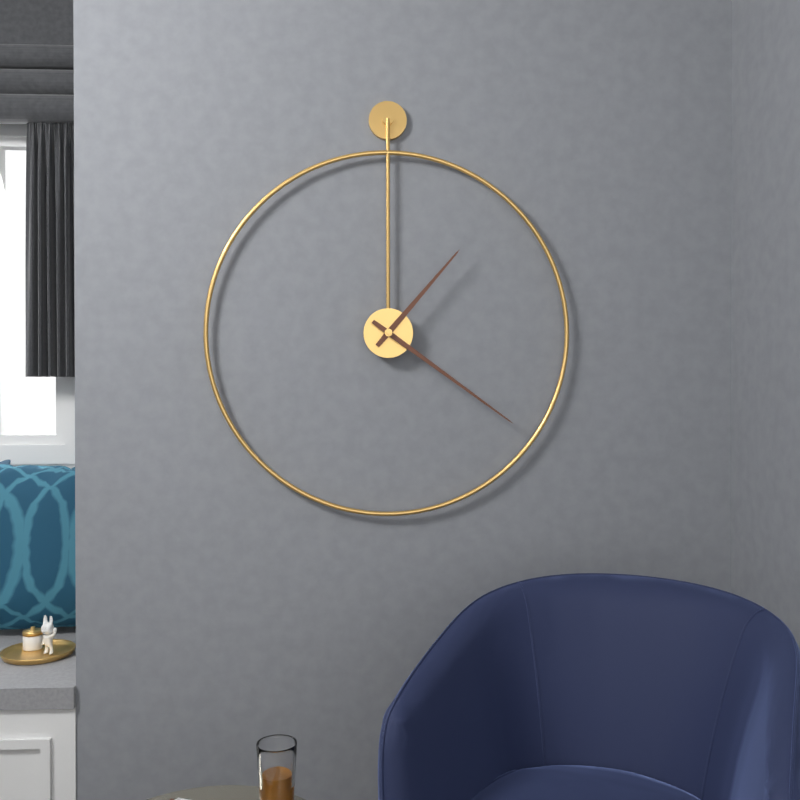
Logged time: 1,21
